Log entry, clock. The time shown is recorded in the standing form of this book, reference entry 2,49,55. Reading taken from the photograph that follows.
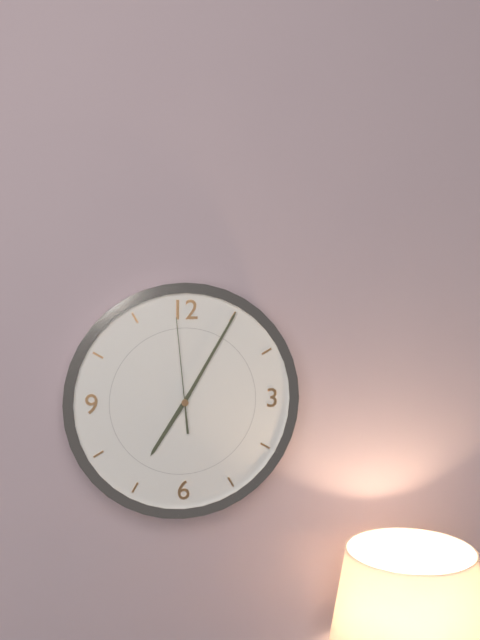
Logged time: 7,05,59
